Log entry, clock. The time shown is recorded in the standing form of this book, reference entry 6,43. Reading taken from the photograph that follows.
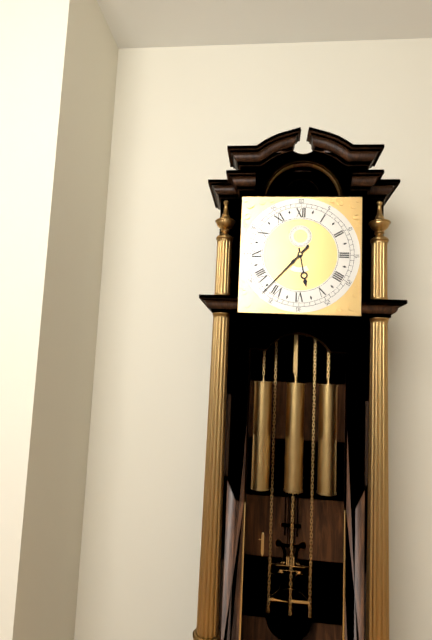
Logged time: 5,37
